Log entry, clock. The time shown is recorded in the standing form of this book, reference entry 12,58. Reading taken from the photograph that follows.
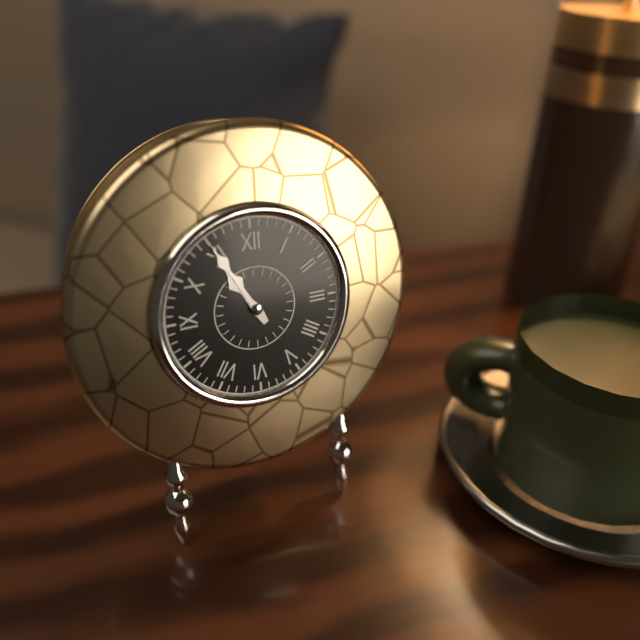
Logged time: 10,55
